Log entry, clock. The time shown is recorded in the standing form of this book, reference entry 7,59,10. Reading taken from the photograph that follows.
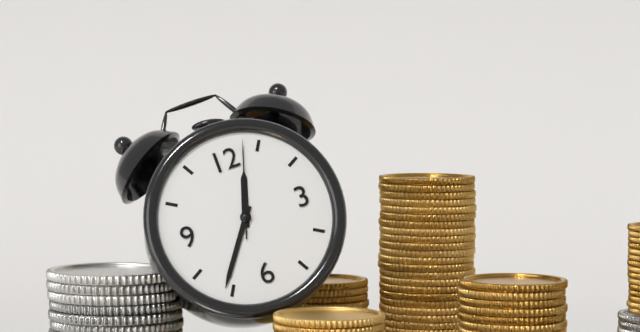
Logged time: 12,36,03
